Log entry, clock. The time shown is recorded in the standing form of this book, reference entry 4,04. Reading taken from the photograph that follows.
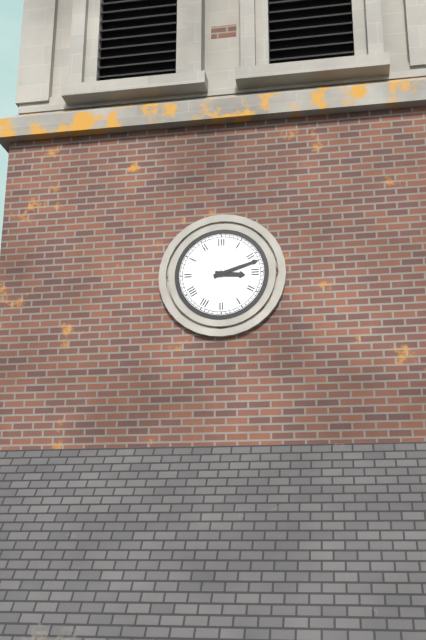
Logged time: 3,12
